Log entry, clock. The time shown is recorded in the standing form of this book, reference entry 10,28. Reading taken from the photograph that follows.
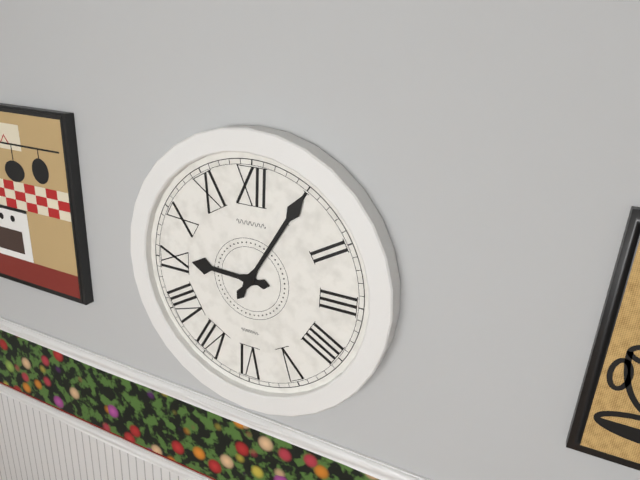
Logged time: 9,05
